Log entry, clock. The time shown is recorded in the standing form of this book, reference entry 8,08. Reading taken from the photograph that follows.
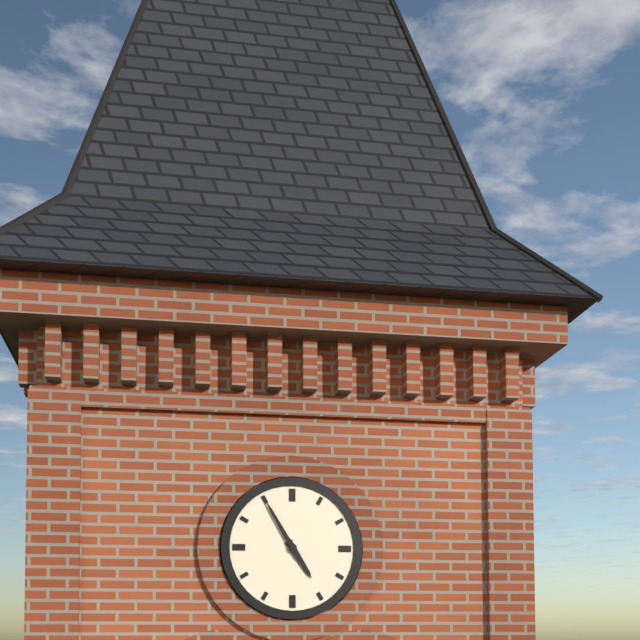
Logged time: 4,55
